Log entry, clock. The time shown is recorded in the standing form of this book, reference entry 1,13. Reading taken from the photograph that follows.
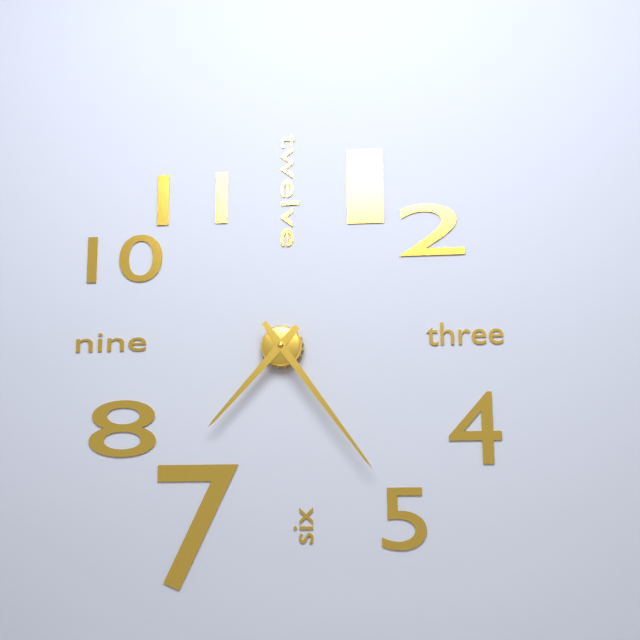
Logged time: 7,24
